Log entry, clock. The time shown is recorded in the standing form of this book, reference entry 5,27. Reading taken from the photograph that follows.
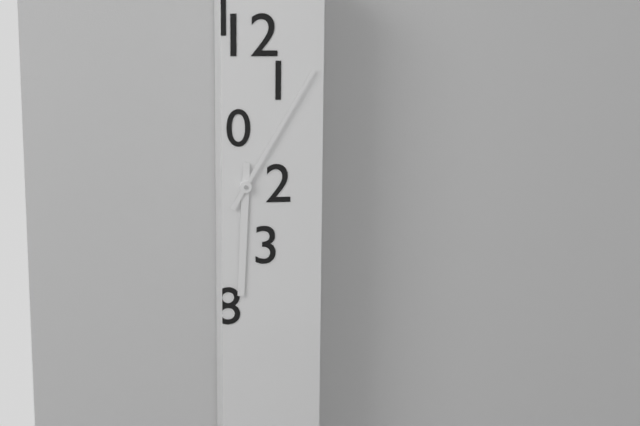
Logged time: 6,05
